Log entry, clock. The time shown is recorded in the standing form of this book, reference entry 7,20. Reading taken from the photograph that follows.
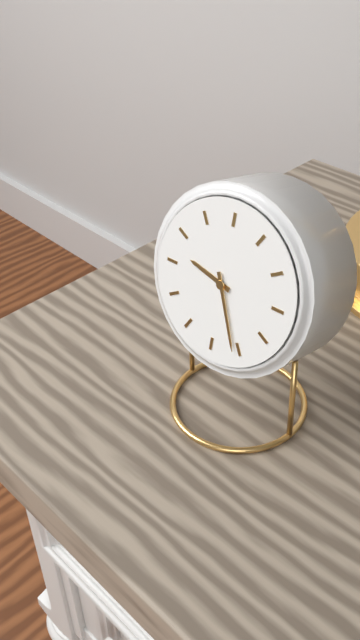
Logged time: 9,26
